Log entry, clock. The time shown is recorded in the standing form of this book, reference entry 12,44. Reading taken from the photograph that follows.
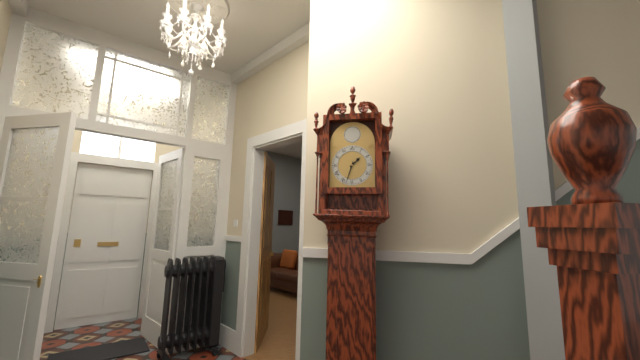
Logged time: 1,33
